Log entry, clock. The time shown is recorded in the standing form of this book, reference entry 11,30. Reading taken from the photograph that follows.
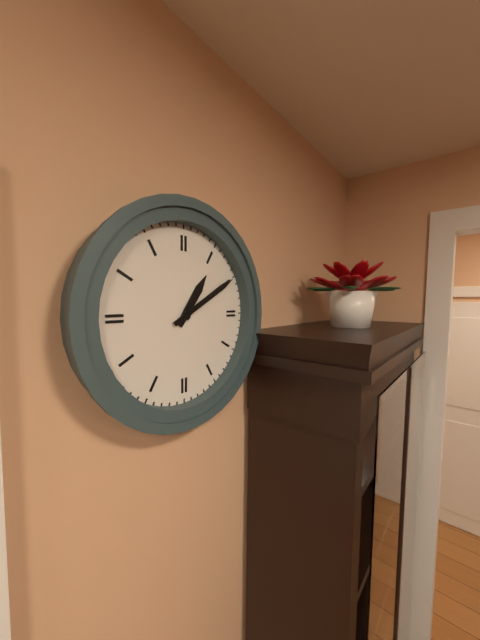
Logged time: 1,10
